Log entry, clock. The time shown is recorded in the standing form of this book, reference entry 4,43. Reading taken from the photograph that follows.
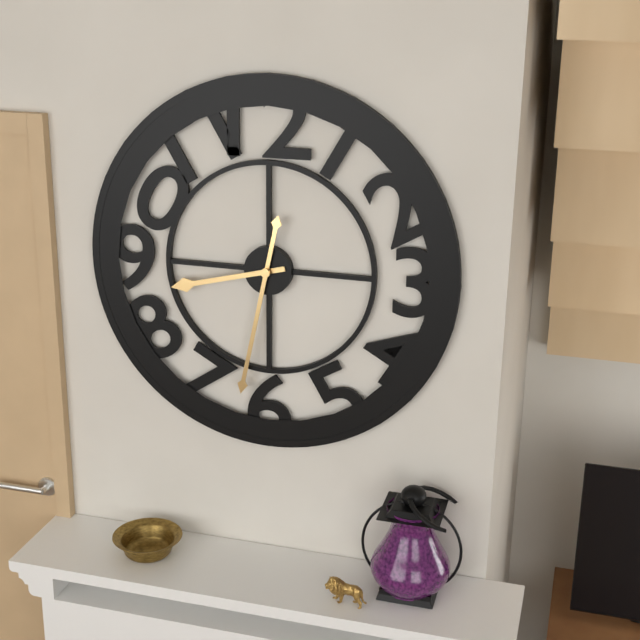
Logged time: 8,32
